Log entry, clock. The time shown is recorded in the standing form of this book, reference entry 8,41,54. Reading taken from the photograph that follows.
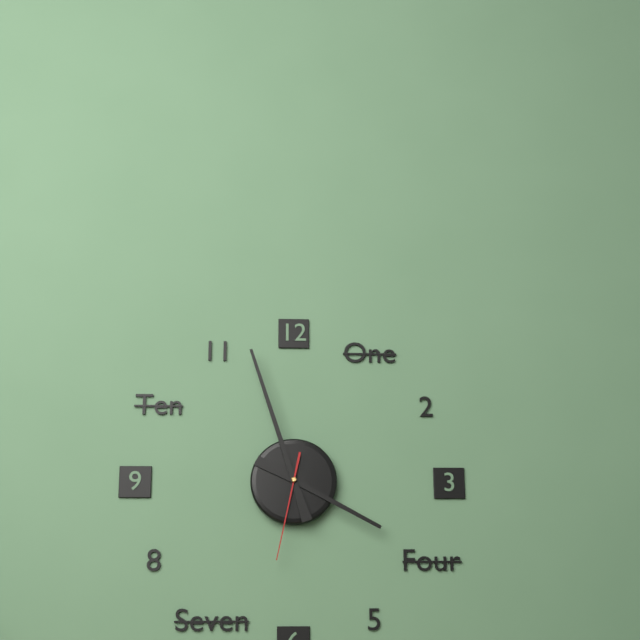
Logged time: 3,57,32
